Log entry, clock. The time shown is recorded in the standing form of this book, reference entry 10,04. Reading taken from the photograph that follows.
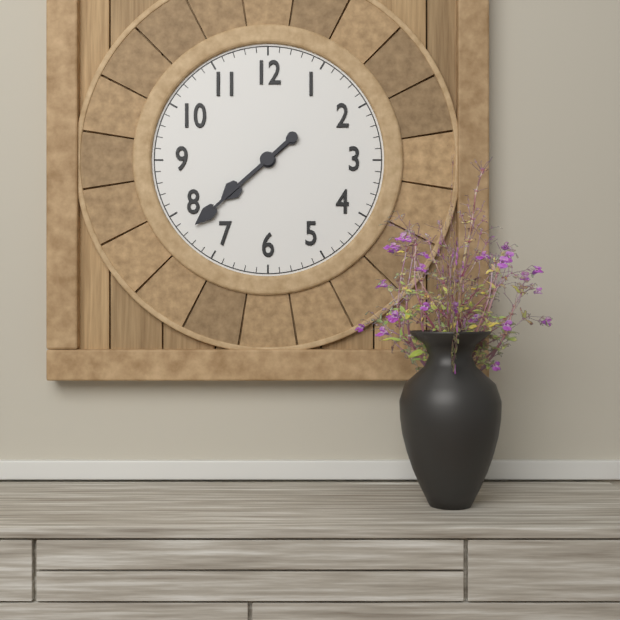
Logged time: 7,38
